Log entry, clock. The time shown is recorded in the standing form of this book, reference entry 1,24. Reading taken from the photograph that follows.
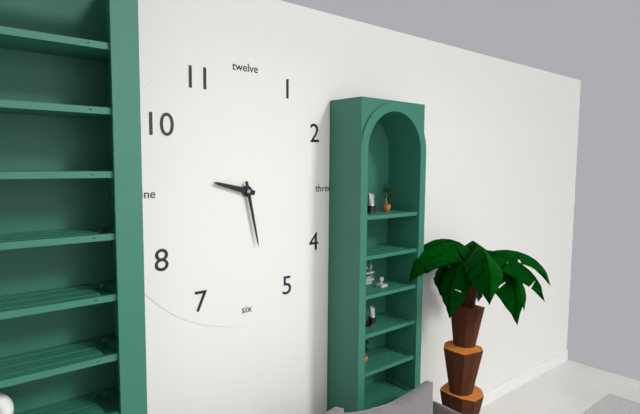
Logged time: 9,28
